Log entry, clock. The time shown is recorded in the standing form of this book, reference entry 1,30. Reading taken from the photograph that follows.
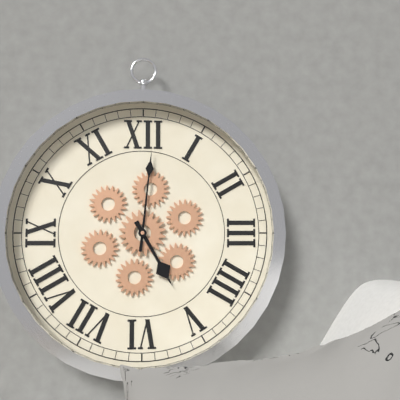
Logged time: 5,01
